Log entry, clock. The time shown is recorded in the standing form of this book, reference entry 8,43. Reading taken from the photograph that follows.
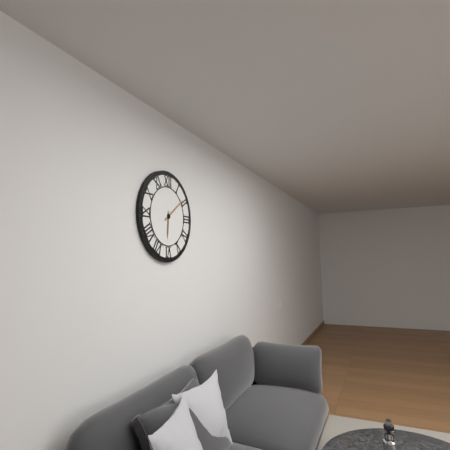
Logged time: 6,09
